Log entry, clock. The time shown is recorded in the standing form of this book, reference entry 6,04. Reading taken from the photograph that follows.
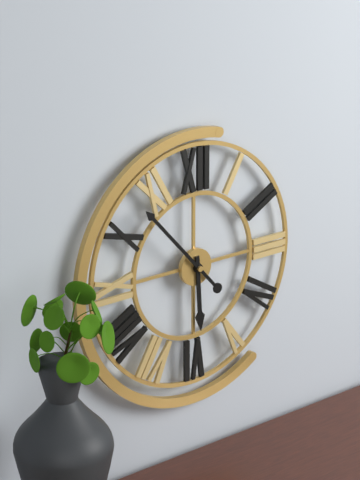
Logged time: 5,53
